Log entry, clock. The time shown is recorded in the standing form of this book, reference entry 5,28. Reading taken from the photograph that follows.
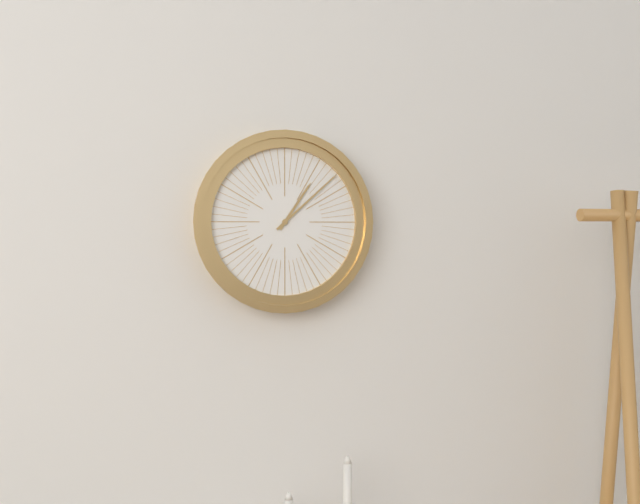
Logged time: 1,08
